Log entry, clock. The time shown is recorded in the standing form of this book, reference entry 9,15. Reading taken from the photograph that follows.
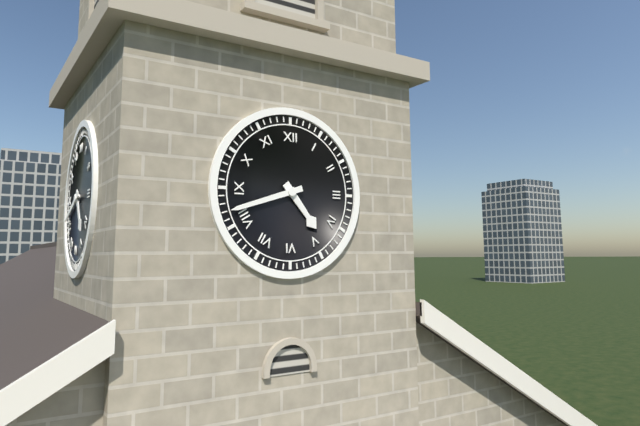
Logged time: 4,42
